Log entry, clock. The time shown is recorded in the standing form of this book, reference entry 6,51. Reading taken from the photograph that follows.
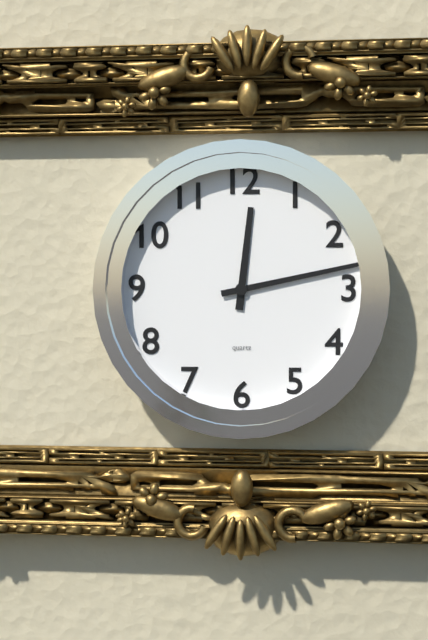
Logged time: 12,13
